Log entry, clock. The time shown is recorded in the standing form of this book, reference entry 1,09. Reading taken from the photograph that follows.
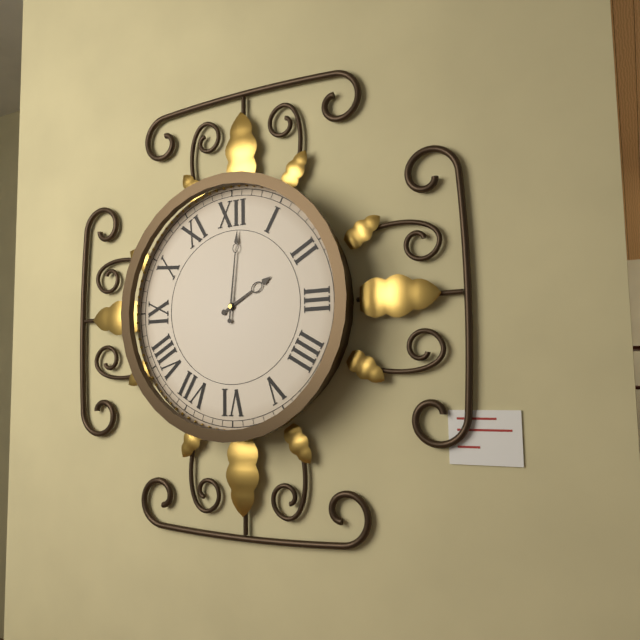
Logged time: 2,01
